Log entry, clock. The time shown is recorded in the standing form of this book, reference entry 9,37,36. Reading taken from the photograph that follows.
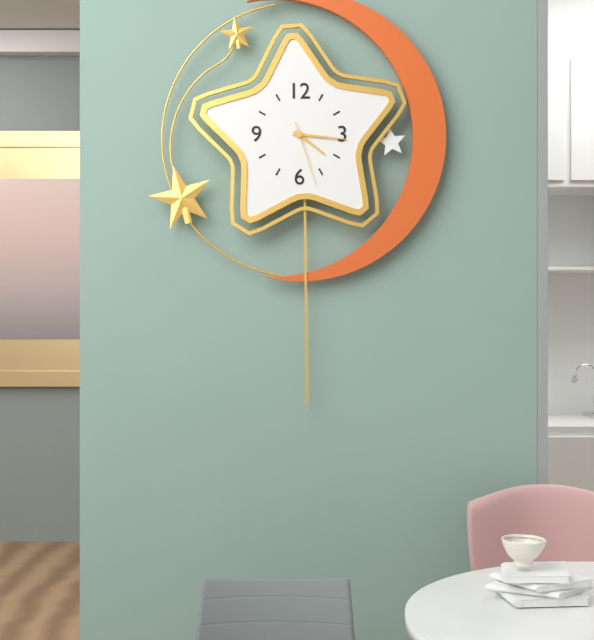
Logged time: 4,16,27
